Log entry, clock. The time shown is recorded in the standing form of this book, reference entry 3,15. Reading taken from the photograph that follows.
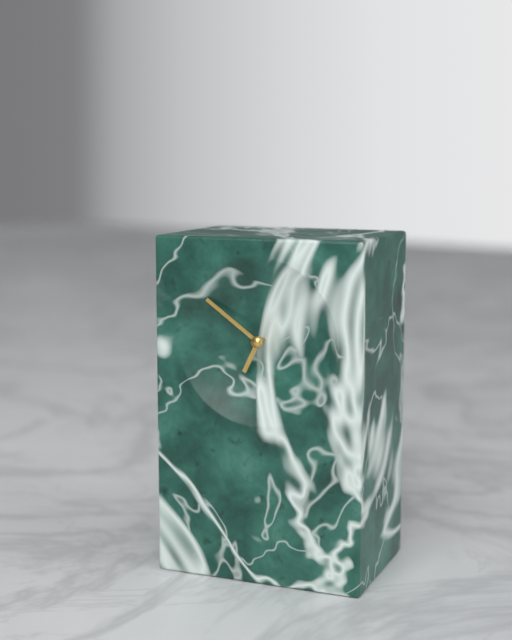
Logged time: 6,51
